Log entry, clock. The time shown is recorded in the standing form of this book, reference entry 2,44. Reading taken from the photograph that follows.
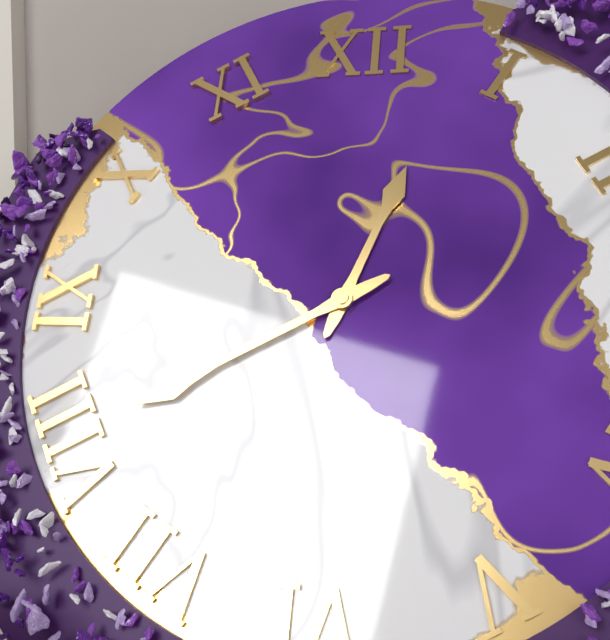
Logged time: 12,40
